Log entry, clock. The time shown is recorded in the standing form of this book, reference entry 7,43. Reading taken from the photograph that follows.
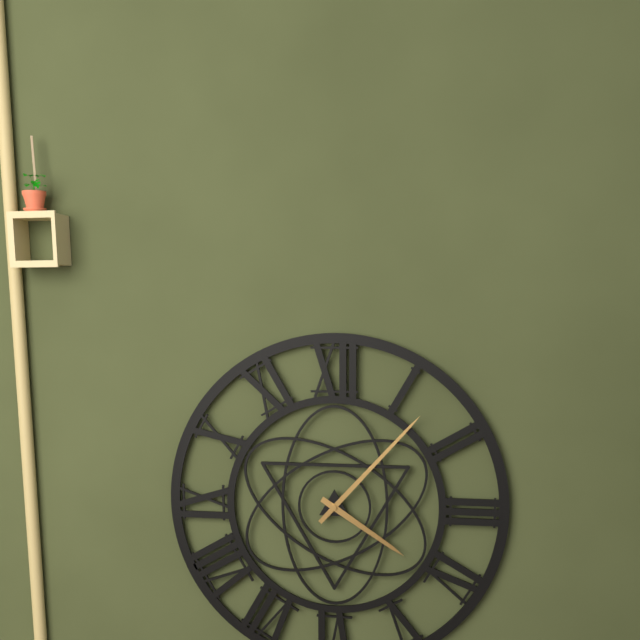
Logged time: 4,07
